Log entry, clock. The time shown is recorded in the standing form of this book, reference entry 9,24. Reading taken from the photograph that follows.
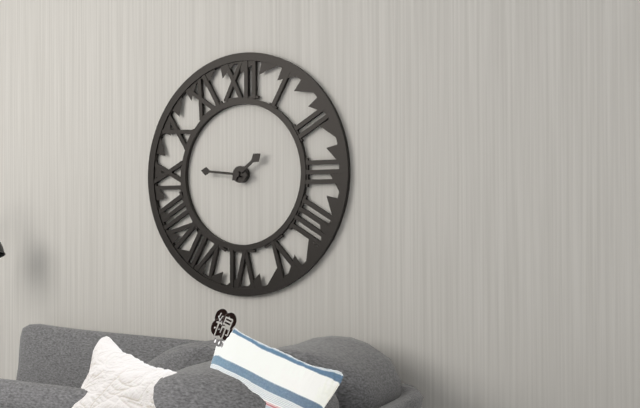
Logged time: 1,46
